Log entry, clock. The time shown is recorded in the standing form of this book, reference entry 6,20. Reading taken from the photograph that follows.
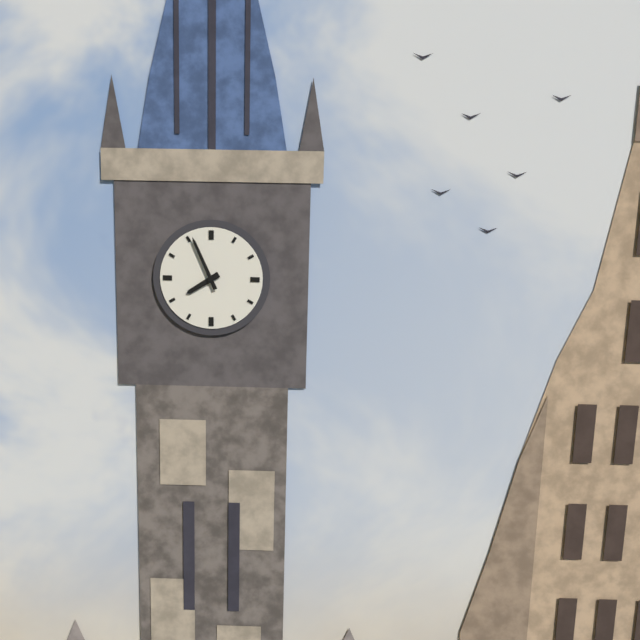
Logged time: 7,56
